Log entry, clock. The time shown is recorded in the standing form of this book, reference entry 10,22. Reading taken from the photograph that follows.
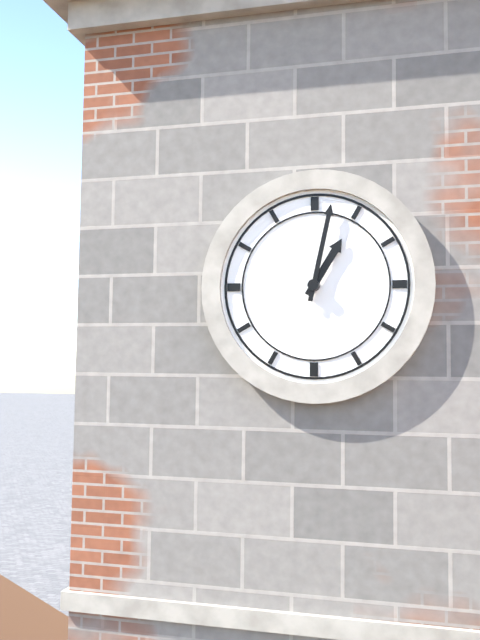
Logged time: 1,02
